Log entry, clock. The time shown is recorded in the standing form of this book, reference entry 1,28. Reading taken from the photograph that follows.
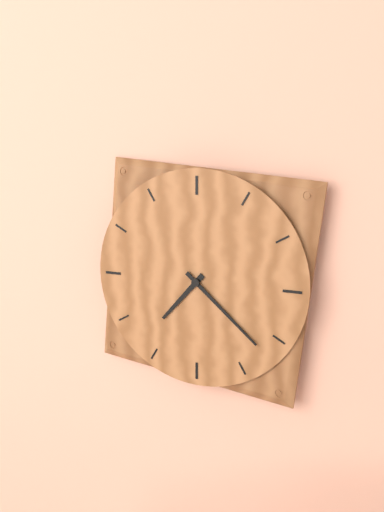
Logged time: 7,22
